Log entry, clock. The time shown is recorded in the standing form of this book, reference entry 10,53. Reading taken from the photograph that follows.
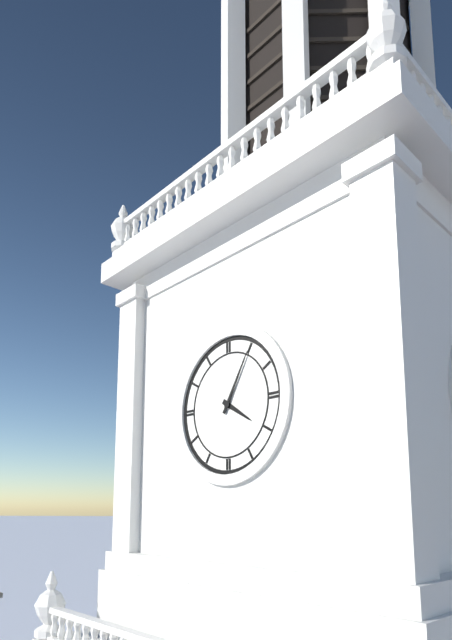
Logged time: 4,05
